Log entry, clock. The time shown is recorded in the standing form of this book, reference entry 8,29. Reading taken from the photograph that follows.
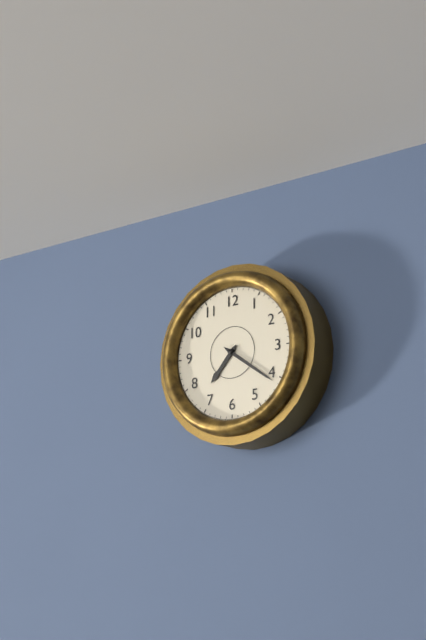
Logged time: 7,21
